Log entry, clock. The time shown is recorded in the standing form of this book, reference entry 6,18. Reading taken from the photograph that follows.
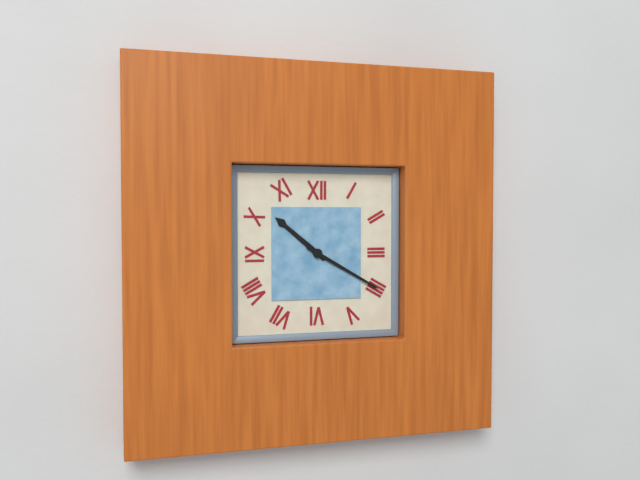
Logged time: 10,20
